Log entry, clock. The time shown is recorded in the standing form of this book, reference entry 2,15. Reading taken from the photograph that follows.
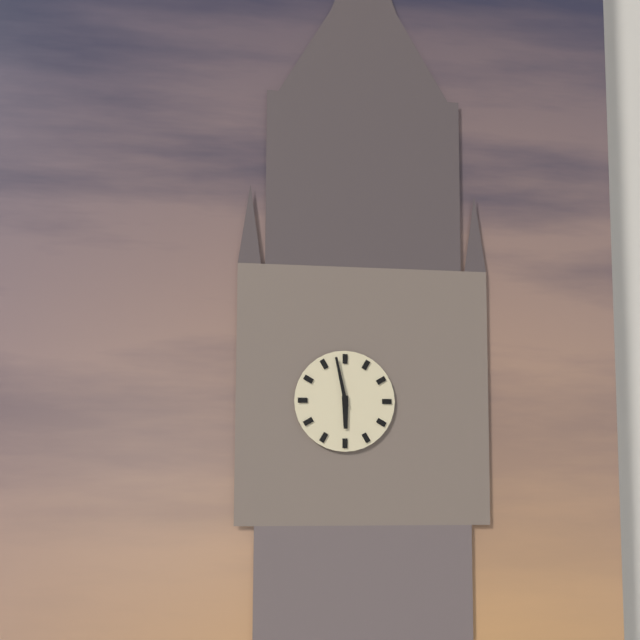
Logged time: 5,58
